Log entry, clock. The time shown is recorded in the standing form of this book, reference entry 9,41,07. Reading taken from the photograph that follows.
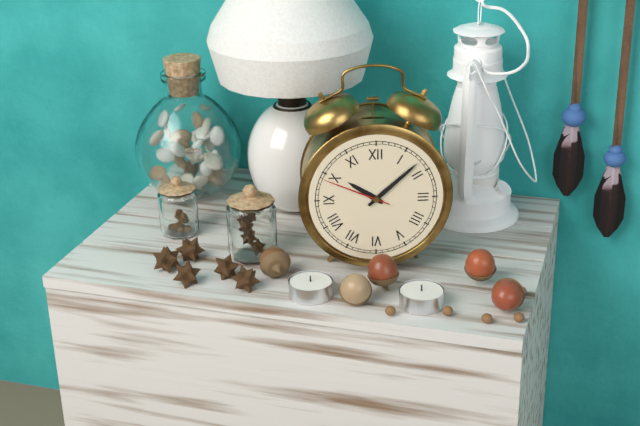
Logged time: 10,08,49
